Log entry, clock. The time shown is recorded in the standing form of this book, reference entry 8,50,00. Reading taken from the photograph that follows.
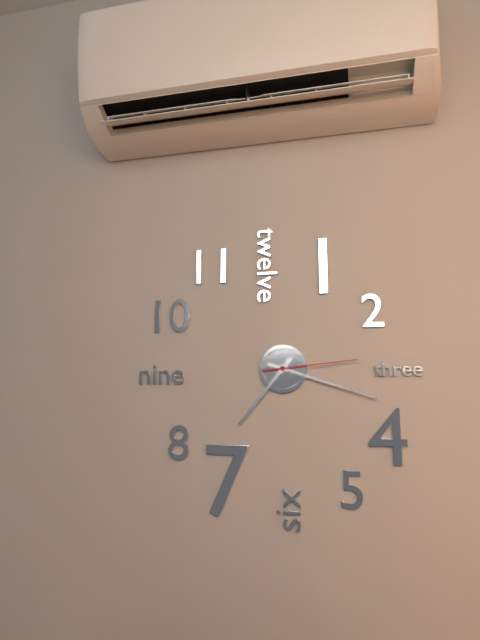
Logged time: 7,18,14
